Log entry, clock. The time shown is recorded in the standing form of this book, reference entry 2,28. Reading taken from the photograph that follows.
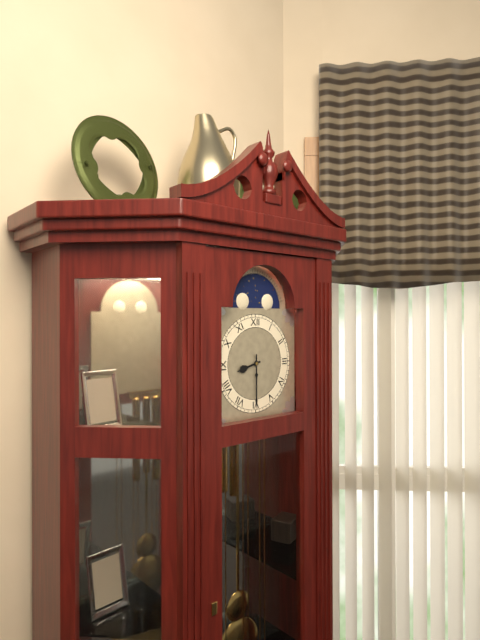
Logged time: 8,30
